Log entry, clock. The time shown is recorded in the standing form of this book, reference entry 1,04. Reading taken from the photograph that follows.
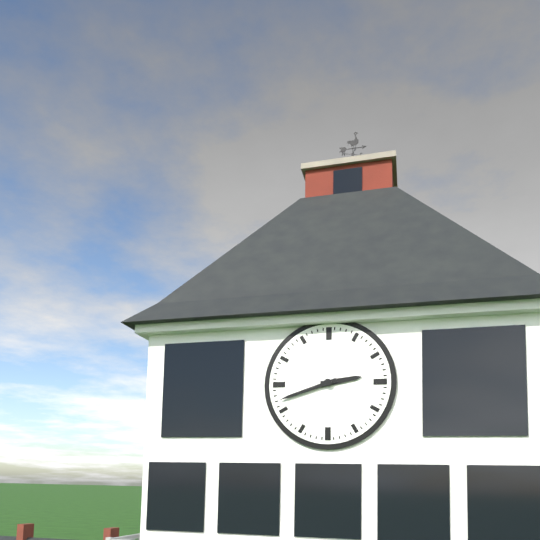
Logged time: 2,42
